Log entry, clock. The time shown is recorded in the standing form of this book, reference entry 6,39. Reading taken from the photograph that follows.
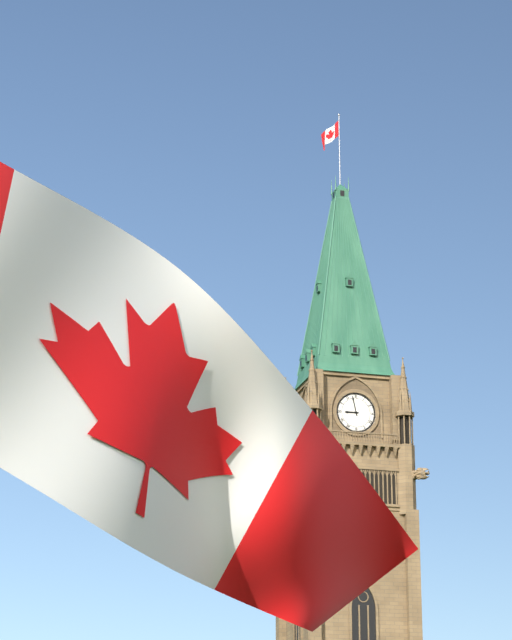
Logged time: 8,58
